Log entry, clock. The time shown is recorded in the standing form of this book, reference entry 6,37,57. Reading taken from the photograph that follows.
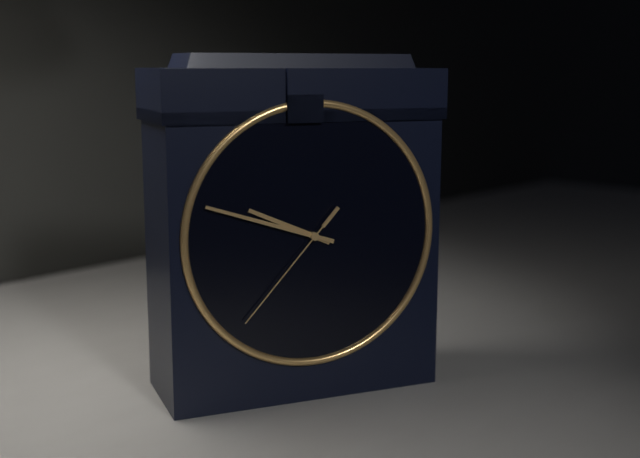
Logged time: 9,48,37
